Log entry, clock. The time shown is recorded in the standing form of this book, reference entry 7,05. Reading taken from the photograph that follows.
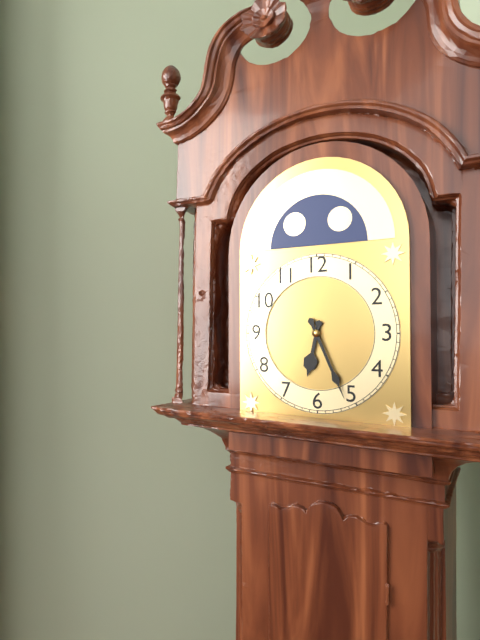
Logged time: 6,26
